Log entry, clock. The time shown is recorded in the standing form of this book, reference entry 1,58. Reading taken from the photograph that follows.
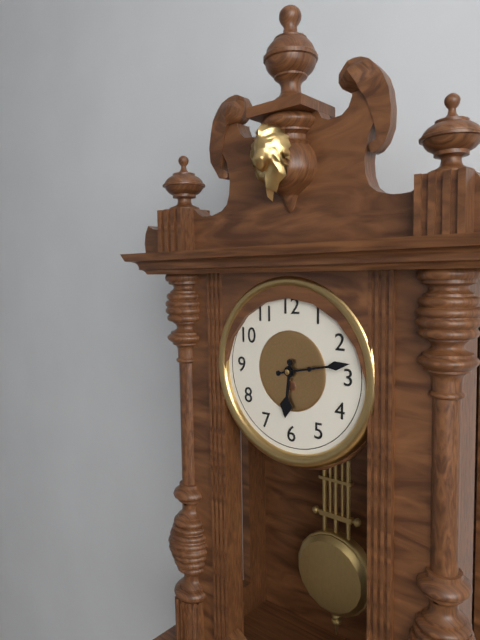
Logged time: 6,13
